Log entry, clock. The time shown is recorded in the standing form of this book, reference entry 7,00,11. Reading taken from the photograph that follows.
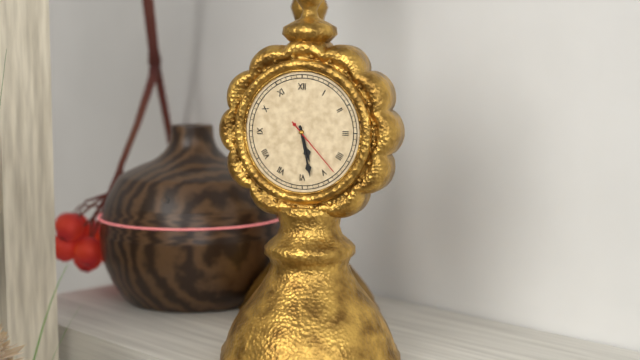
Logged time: 5,28,23
